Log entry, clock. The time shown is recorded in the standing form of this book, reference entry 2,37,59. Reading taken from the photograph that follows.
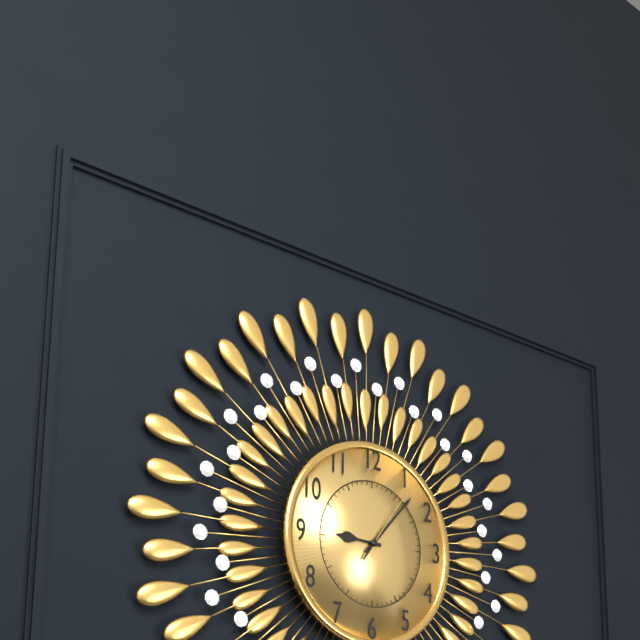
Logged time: 9,07,06
